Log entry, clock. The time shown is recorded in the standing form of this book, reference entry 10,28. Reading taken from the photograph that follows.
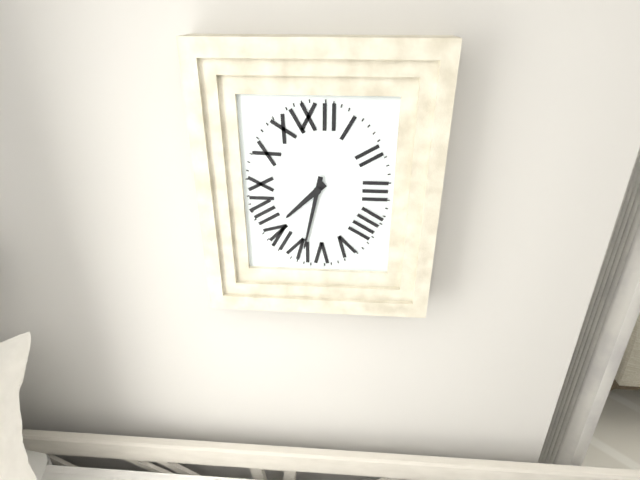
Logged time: 7,32
